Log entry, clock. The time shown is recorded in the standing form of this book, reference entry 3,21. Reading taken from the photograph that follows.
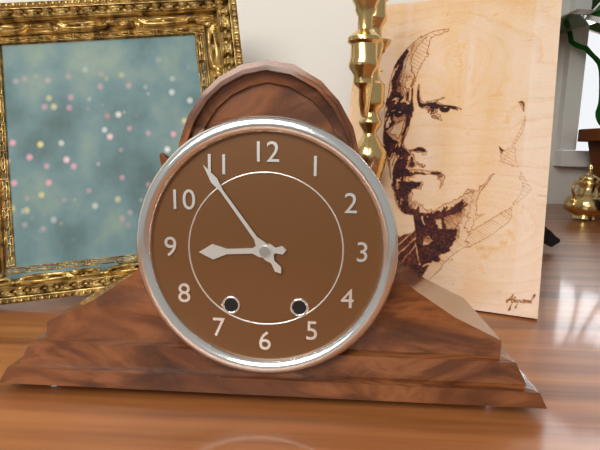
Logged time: 8,54
